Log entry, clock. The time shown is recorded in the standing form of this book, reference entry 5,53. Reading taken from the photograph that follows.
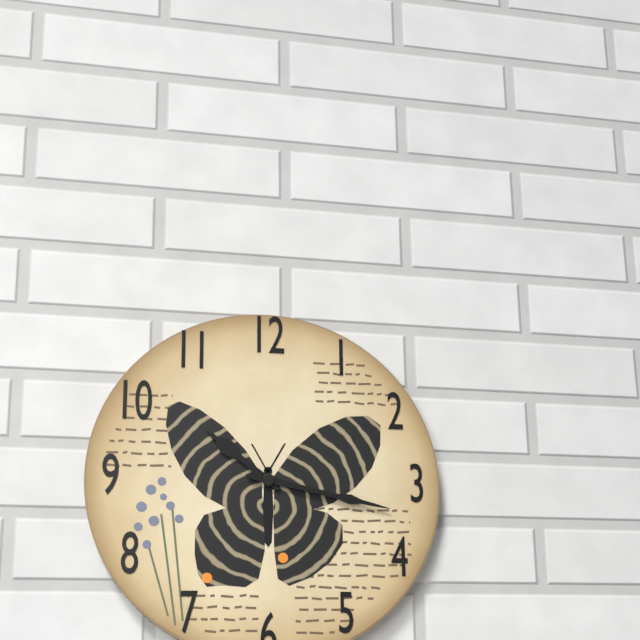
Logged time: 10,17
